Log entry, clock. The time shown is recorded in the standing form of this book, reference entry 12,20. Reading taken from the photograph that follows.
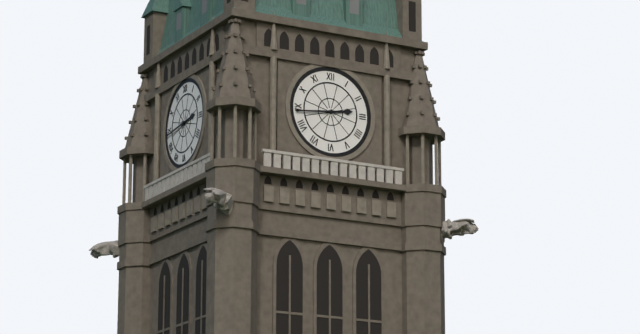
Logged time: 2,44
